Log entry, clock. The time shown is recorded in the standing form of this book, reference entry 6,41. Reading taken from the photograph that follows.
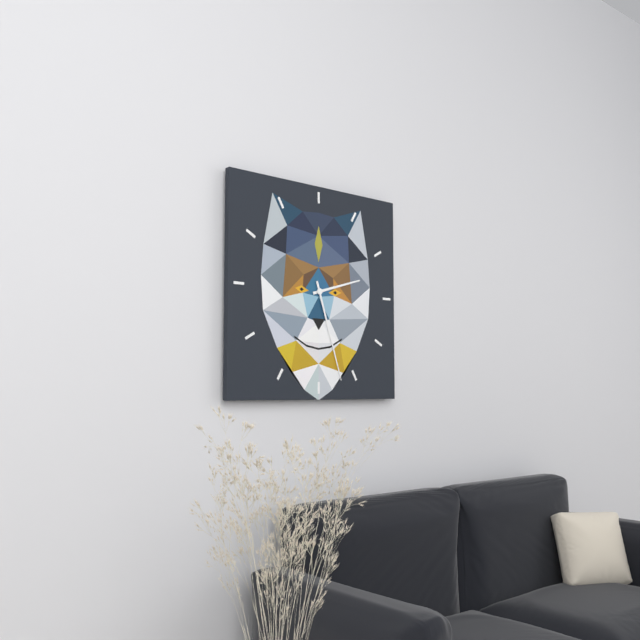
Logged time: 2,27
